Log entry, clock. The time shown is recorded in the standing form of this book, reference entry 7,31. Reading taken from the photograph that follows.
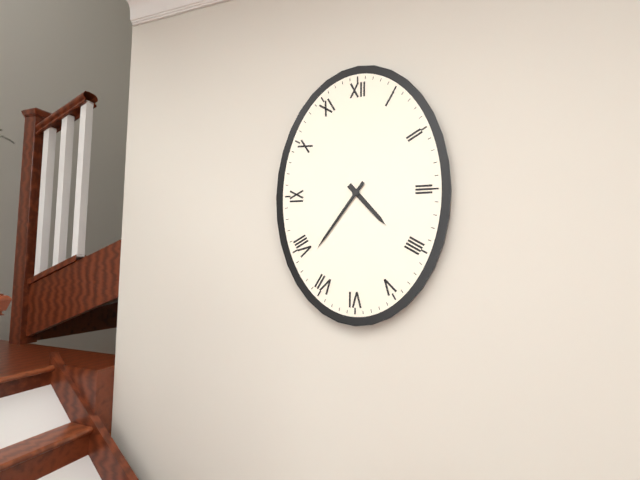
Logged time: 4,36
